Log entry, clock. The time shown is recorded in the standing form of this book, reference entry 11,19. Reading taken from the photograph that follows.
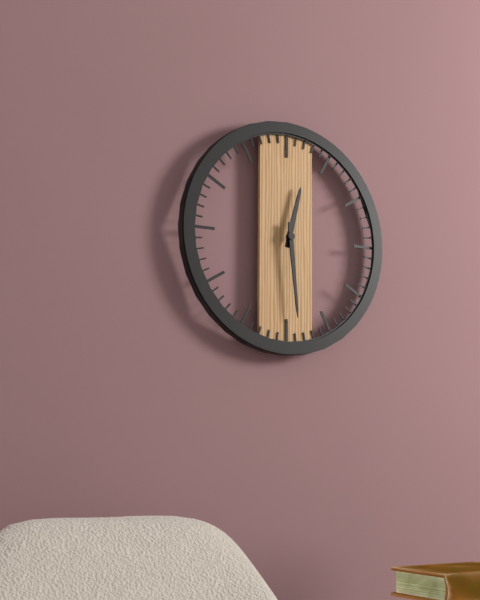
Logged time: 12,29
